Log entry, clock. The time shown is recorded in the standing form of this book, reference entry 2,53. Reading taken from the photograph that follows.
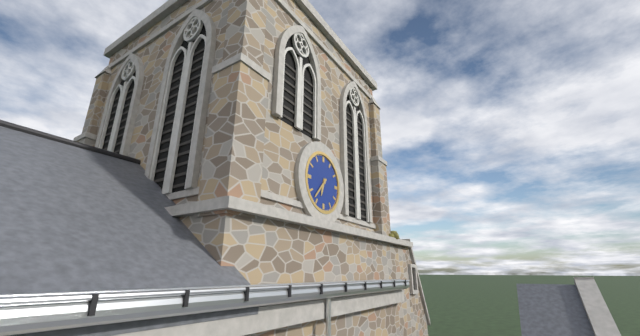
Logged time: 6,37
